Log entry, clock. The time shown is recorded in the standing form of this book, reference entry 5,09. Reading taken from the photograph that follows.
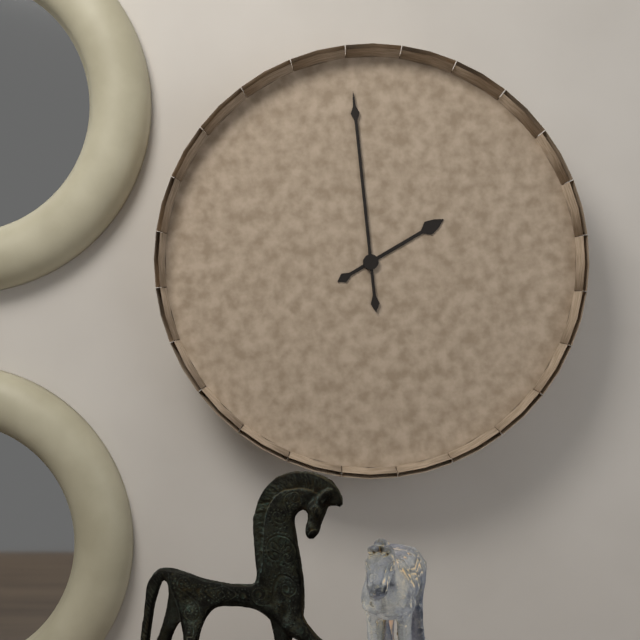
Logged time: 1,59
